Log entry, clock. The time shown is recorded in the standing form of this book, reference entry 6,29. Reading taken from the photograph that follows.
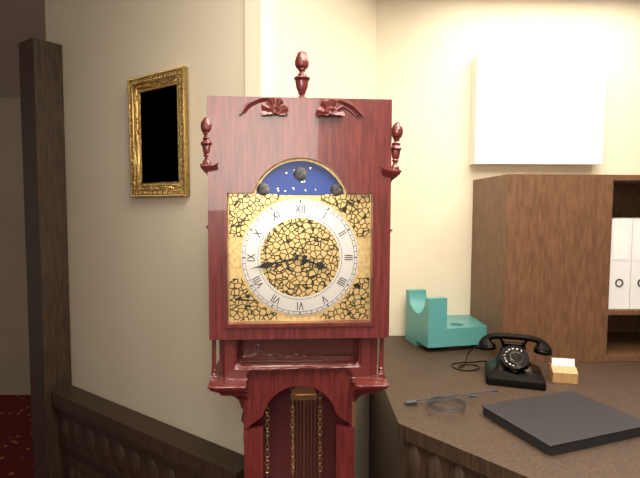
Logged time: 3,43
